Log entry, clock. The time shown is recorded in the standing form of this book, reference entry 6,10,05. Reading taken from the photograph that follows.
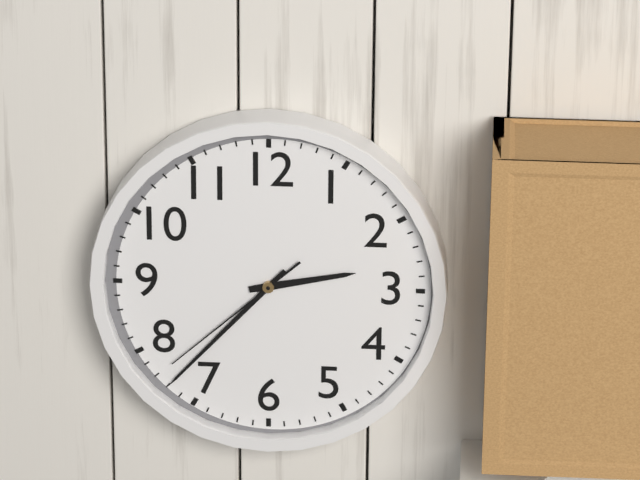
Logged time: 2,37,38
